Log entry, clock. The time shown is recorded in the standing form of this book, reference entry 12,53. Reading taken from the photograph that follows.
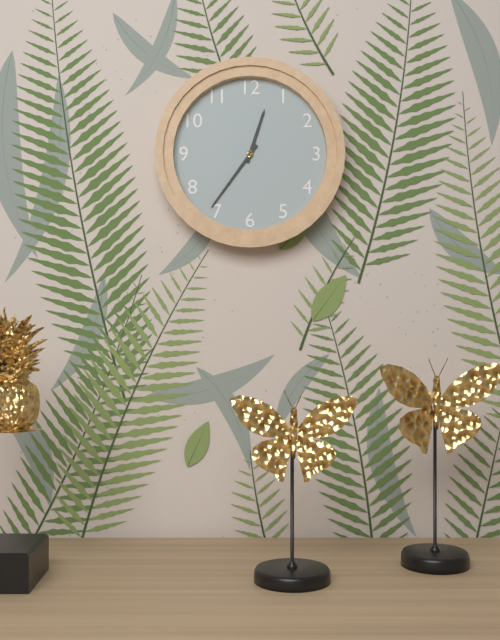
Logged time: 12,36
